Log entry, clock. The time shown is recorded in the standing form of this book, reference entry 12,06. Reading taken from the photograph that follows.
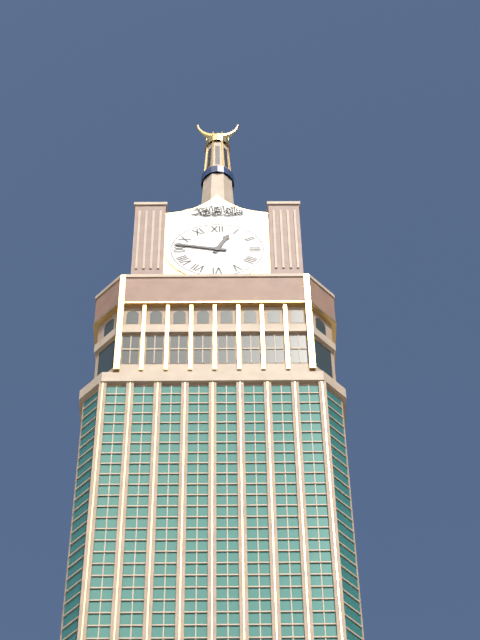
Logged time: 12,47
